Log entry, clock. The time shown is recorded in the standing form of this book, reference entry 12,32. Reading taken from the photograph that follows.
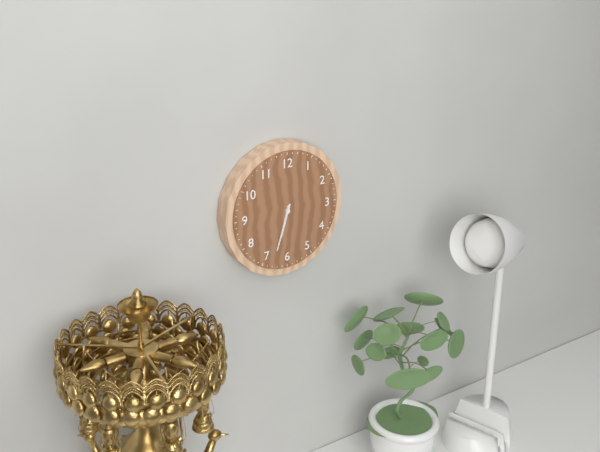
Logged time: 6,33
